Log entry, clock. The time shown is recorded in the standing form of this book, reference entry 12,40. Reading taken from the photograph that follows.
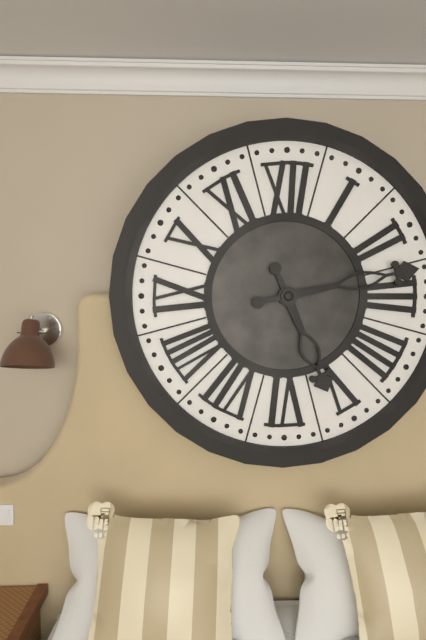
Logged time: 5,13
